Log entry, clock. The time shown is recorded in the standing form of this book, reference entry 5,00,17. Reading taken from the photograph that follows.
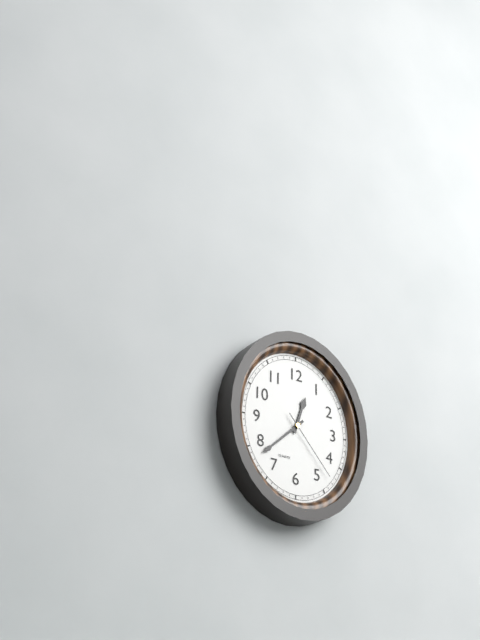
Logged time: 12,38,23
